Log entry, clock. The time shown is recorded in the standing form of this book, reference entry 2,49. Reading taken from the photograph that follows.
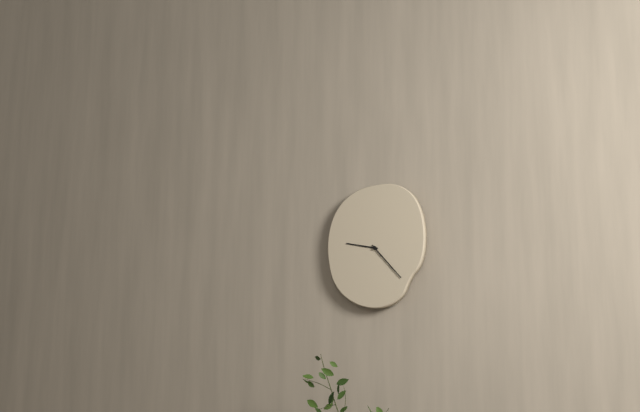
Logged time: 9,23
